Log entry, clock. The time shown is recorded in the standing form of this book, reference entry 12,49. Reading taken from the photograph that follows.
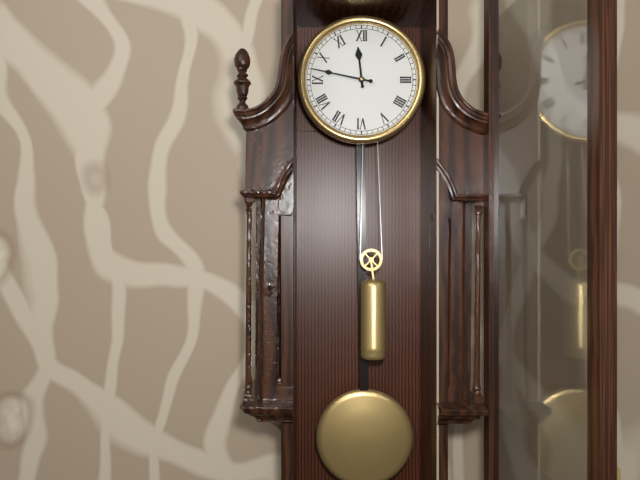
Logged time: 11,47
